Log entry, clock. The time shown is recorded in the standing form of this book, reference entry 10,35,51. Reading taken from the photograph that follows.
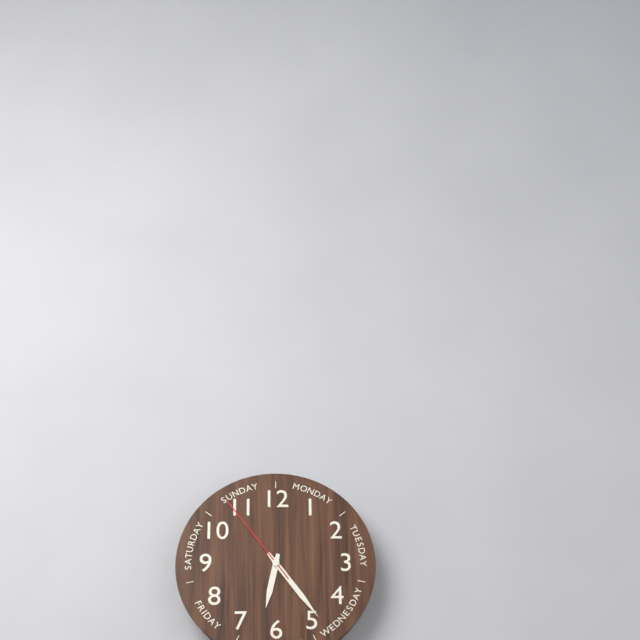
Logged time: 6,24,54
